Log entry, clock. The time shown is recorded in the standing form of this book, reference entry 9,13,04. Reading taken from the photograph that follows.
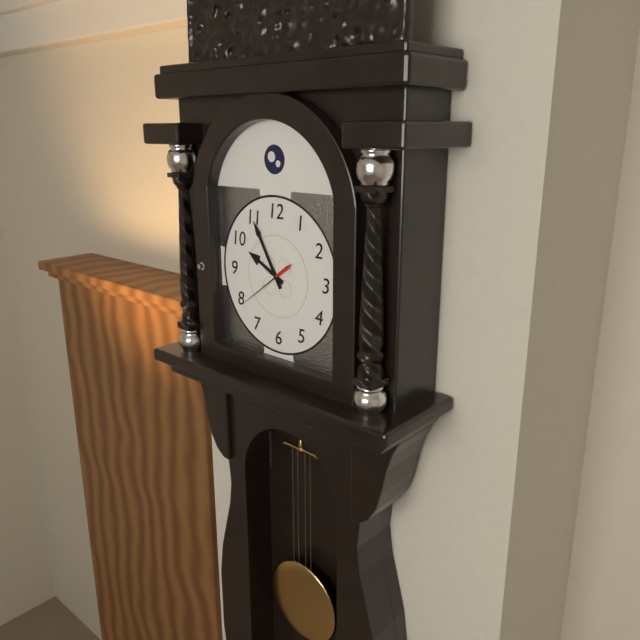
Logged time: 9,55,39
